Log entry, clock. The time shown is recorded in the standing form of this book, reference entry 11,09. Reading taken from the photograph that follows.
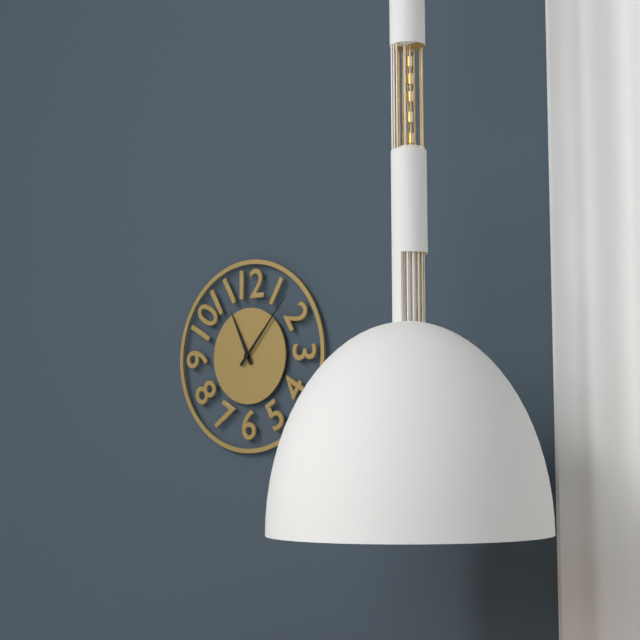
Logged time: 11,07
